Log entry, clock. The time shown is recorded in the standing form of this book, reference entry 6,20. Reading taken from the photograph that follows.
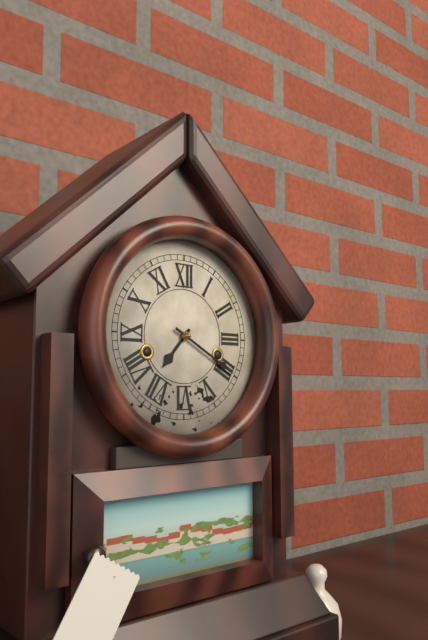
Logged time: 7,20
